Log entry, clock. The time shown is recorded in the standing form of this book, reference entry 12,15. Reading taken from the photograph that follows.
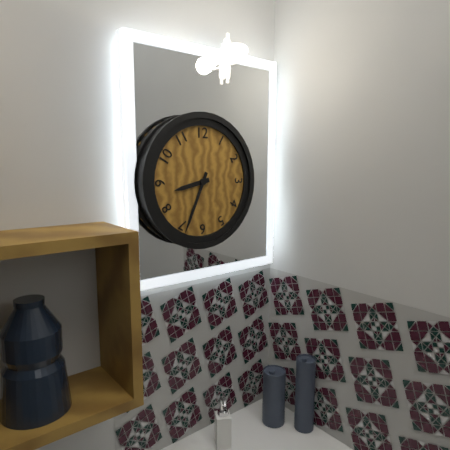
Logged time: 8,34
